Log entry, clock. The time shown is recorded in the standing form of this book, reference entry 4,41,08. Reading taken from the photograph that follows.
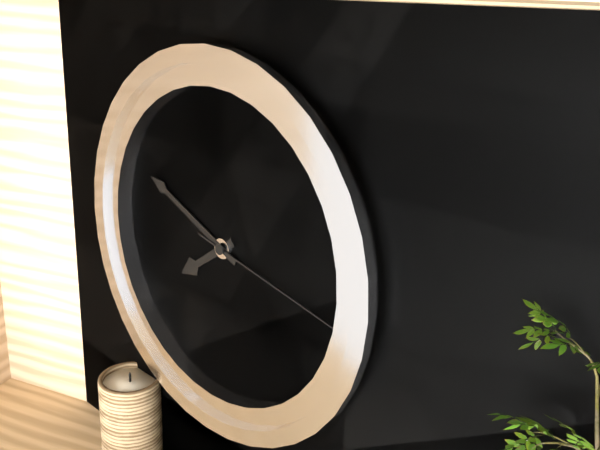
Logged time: 7,49,17
